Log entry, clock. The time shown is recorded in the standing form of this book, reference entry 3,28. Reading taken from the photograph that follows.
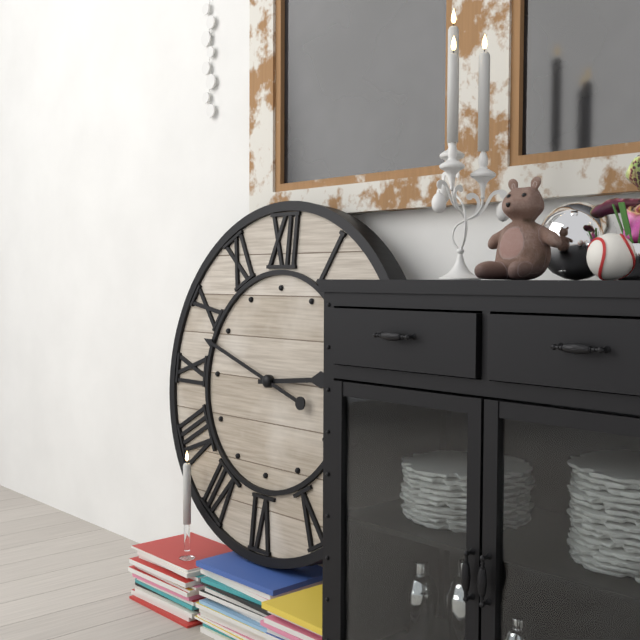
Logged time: 2,48
